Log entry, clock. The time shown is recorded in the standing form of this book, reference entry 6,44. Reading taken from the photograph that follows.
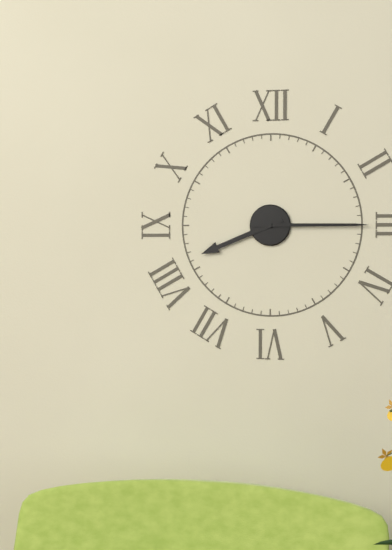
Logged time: 8,15
